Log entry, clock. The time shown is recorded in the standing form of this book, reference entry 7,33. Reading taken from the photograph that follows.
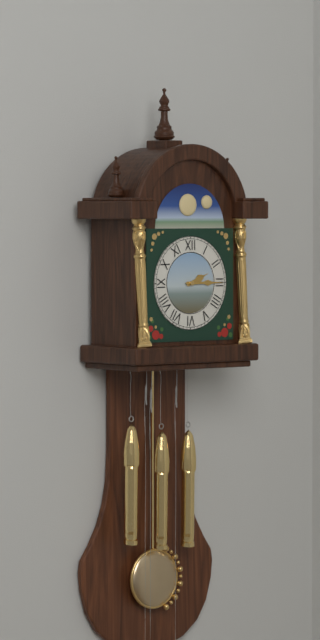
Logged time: 2,15
